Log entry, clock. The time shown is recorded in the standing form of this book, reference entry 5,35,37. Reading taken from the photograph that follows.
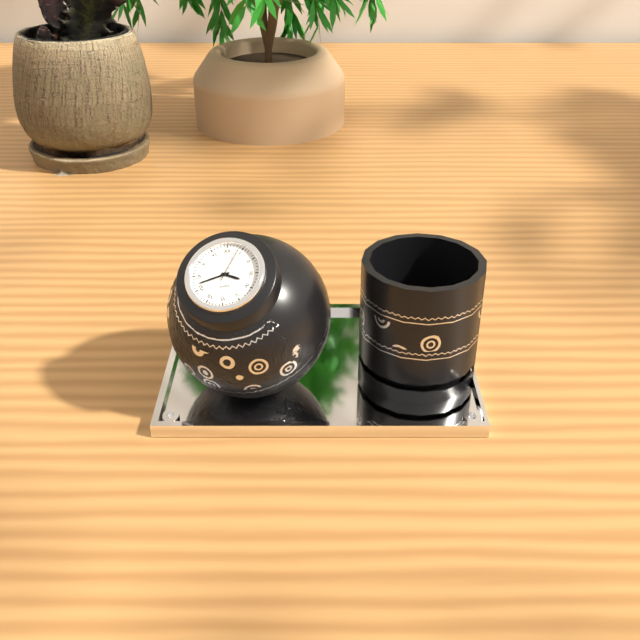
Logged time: 3,42,04
